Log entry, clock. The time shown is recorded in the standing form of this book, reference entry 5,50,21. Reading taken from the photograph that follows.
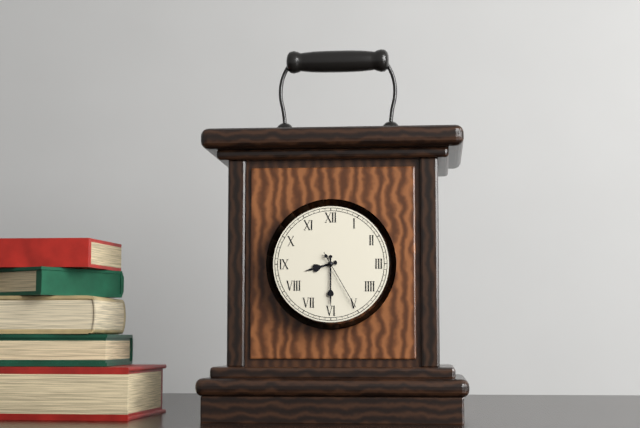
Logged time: 8,30,25
